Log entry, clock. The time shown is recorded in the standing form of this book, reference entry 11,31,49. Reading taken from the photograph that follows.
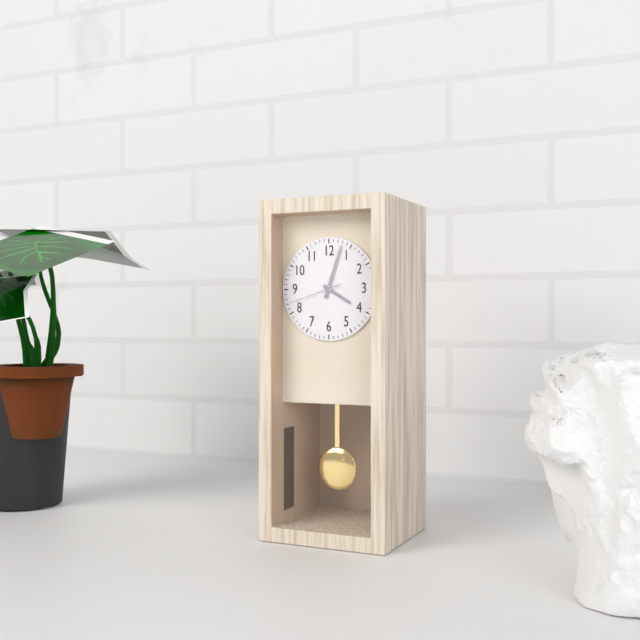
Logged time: 4,03,42
